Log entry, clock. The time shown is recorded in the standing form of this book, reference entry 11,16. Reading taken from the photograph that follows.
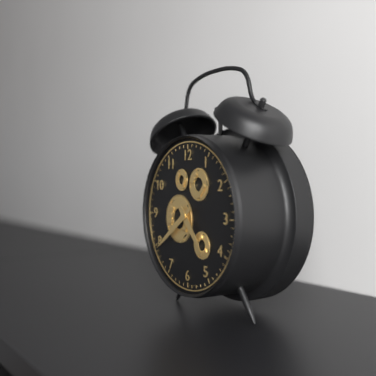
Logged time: 4,39
